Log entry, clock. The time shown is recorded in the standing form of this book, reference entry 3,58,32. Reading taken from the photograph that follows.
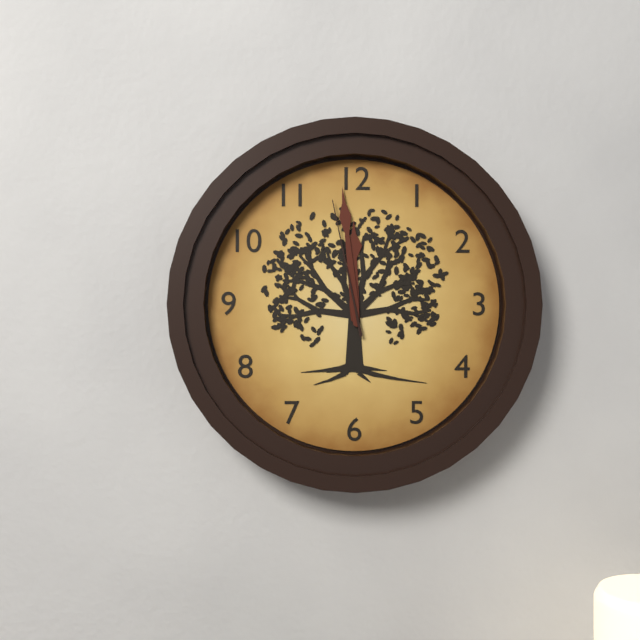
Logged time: 11,59,58
